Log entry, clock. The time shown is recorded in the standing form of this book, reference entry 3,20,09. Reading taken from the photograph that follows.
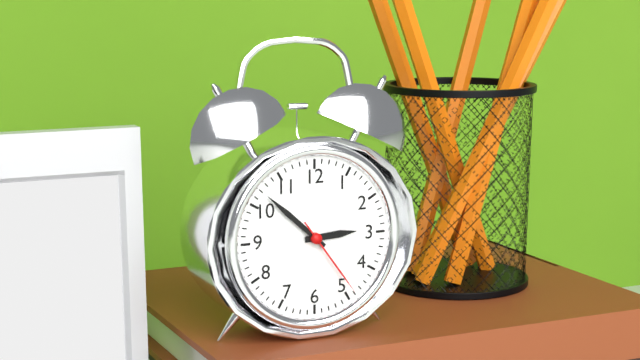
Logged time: 2,52,24
